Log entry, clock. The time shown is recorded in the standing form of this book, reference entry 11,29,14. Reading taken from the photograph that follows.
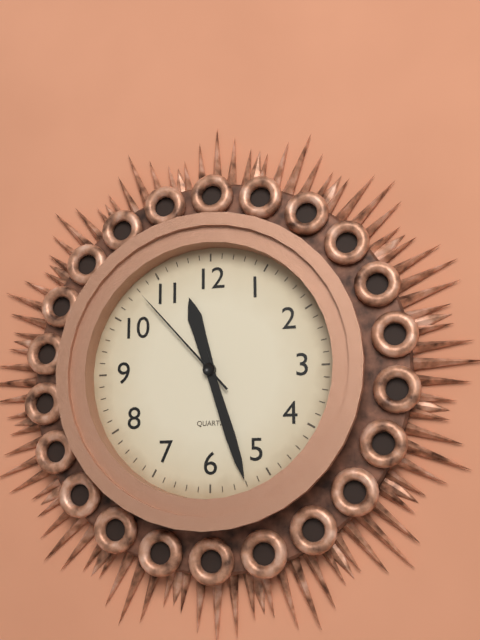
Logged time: 11,27,53
